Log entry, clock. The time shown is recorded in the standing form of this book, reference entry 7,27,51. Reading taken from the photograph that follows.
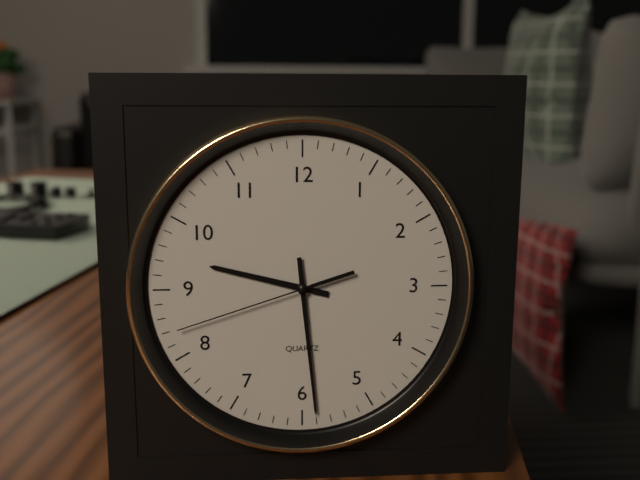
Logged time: 9,29,42
